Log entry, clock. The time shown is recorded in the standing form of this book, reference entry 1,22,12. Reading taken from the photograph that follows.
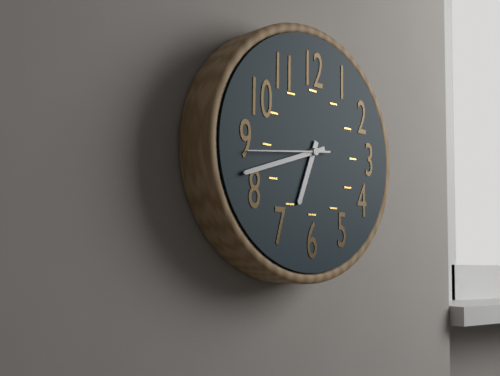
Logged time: 6,42,44
